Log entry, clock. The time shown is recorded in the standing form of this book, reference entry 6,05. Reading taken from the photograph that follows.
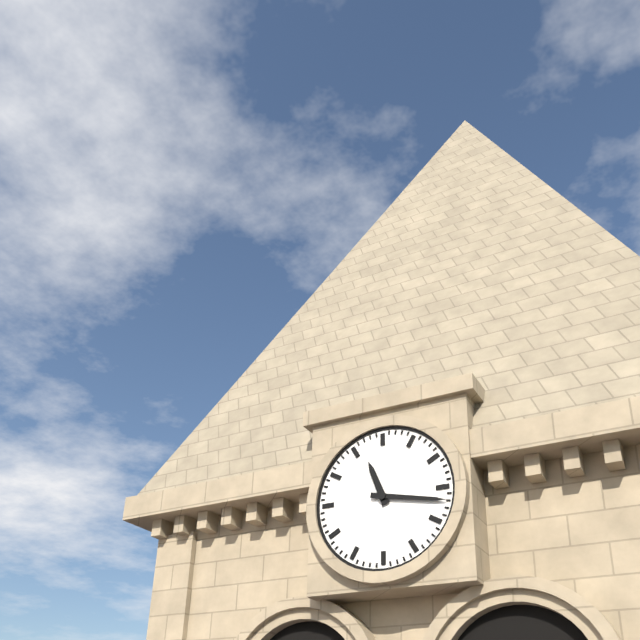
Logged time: 11,17
